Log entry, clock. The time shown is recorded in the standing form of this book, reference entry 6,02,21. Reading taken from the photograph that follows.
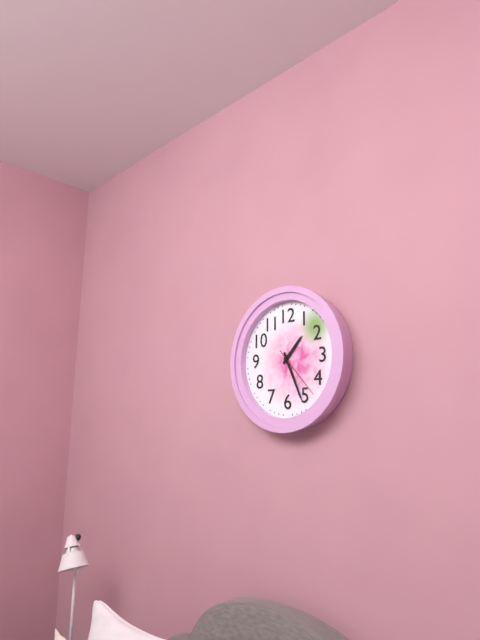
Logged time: 1,26,23
